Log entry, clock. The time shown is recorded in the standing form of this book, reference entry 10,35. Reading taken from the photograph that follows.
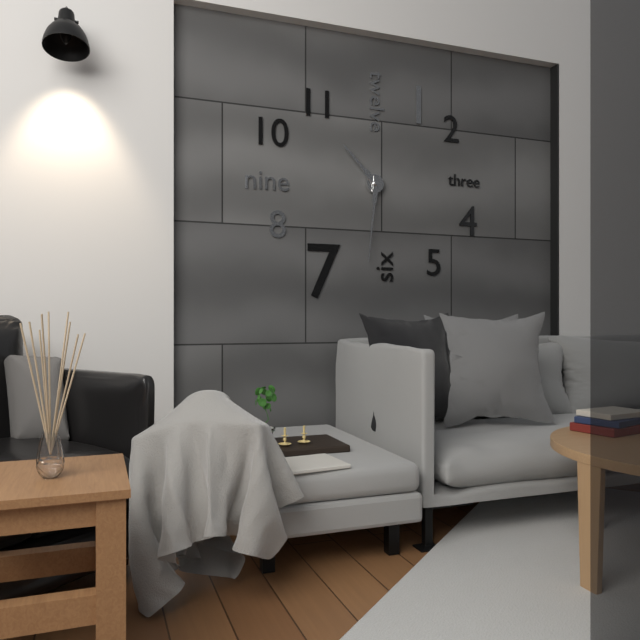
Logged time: 10,31
